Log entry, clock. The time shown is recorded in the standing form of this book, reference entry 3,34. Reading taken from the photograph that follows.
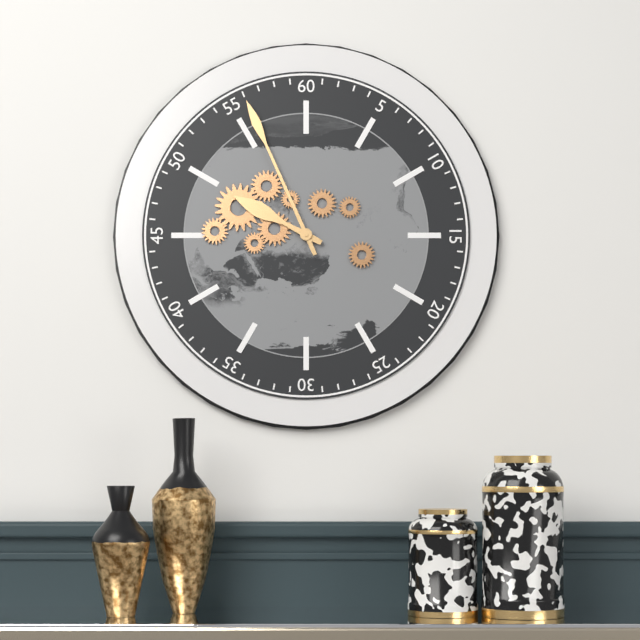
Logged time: 9,56
